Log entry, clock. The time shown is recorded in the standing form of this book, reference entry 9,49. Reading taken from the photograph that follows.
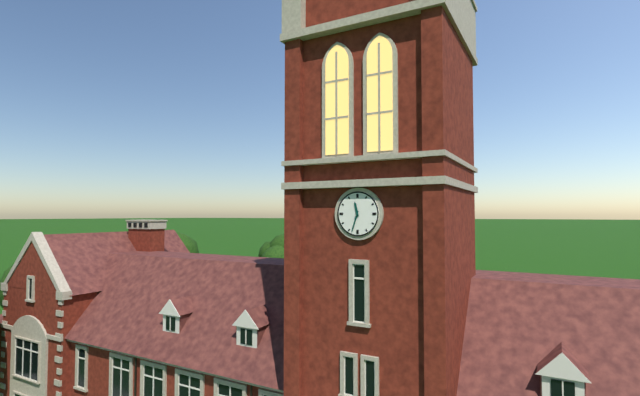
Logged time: 11,33
